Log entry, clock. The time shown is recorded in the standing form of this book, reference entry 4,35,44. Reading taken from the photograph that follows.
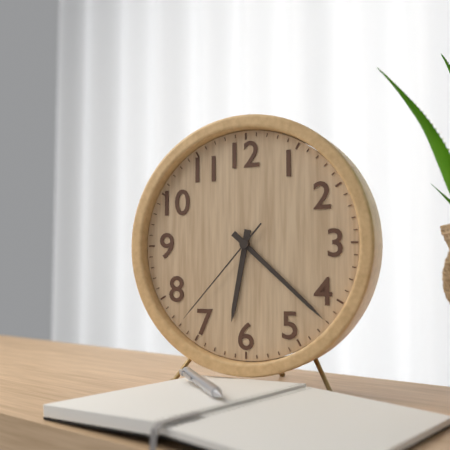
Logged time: 6,22,37
